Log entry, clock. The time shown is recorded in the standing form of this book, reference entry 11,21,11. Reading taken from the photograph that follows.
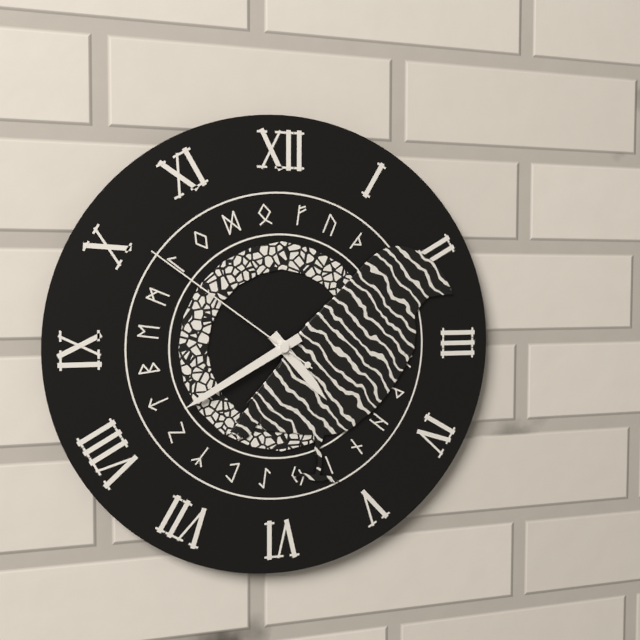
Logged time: 4,40,51
